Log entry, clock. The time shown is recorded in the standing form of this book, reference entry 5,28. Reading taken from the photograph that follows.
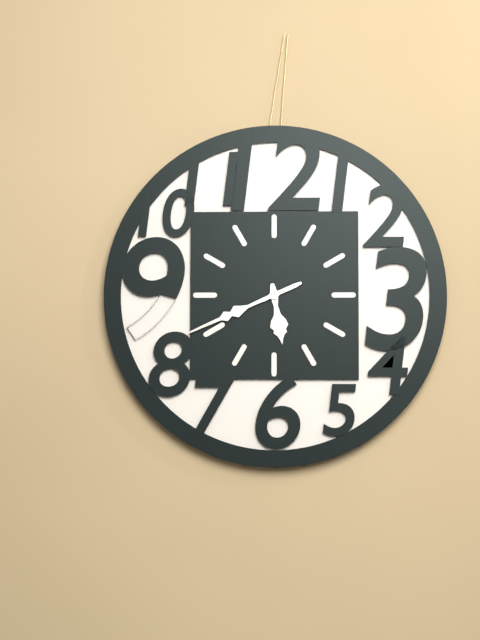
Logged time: 5,41
